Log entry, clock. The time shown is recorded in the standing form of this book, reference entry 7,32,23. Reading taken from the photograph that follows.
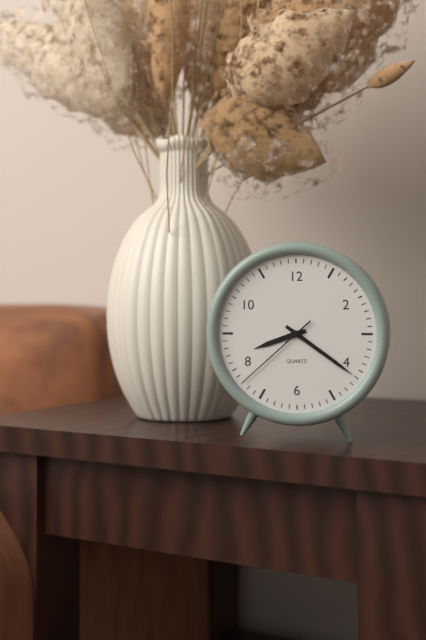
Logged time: 8,21,38
